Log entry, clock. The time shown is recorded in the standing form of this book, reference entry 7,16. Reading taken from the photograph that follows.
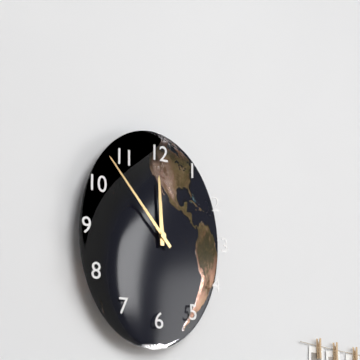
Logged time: 11,53
